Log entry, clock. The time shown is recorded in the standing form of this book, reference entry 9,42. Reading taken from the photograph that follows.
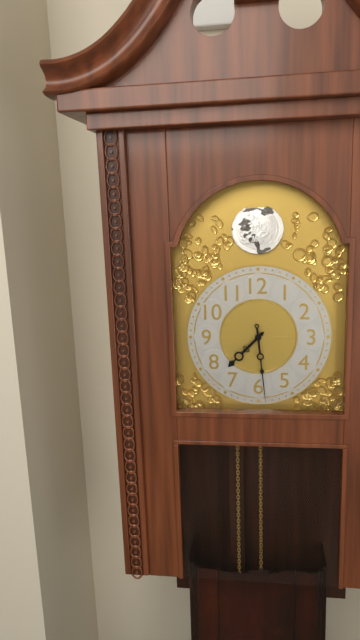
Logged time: 7,29
